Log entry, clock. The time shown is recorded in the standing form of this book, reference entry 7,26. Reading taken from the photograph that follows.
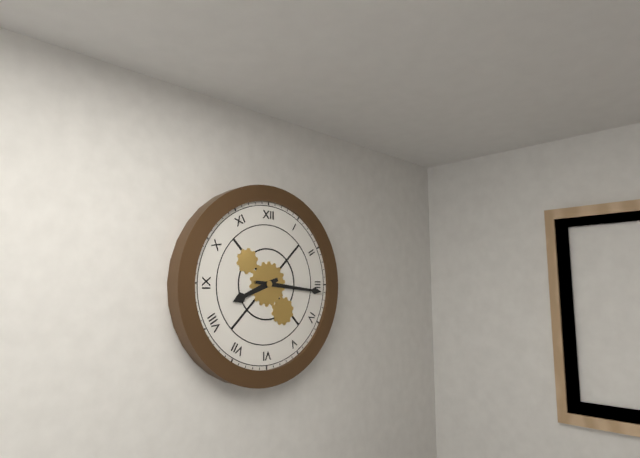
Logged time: 8,16
